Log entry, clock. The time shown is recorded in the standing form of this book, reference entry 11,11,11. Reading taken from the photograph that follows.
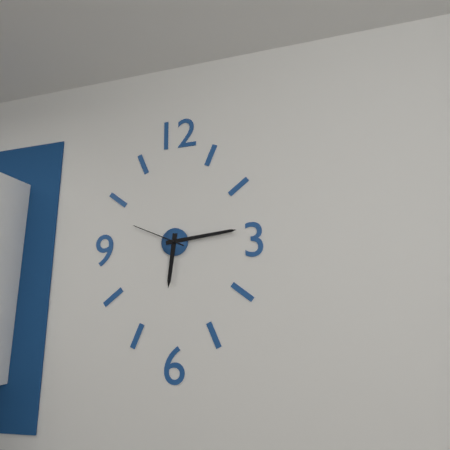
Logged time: 6,14,49
